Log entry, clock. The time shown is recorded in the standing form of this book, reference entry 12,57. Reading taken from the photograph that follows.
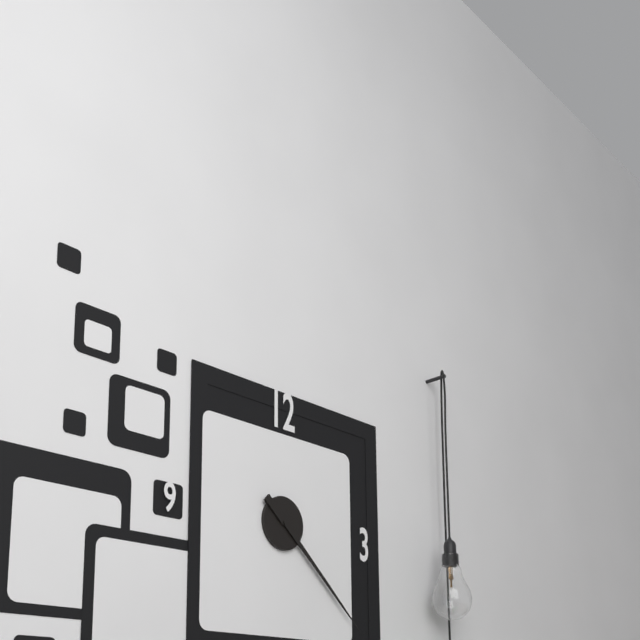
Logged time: 4,22
